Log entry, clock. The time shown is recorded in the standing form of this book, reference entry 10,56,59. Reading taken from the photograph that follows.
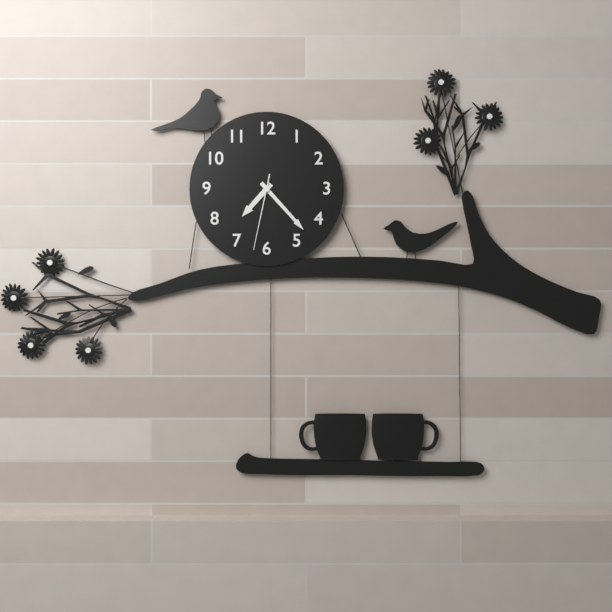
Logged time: 7,23,32
